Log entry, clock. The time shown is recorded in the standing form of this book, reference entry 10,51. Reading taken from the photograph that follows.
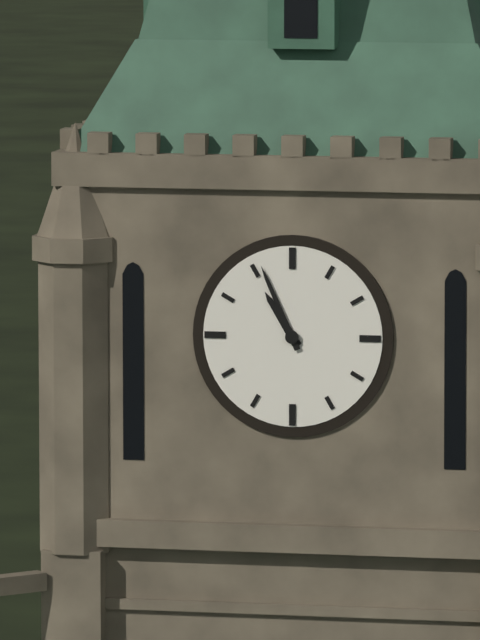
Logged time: 10,56
